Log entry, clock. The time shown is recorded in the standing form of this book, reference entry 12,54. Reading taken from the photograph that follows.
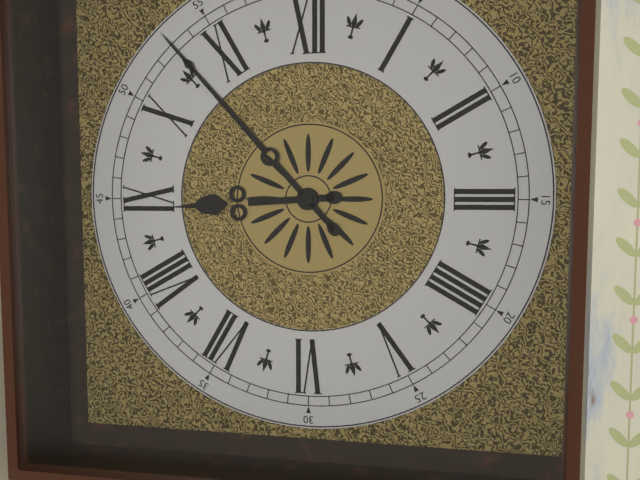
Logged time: 8,53
